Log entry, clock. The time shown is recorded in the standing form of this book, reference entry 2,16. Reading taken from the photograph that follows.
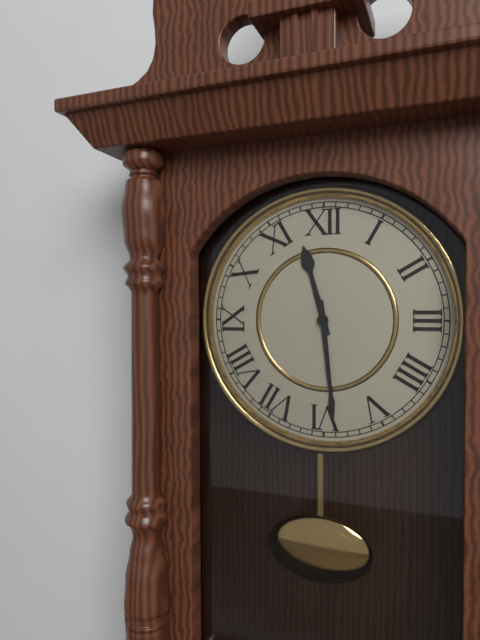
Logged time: 11,29
